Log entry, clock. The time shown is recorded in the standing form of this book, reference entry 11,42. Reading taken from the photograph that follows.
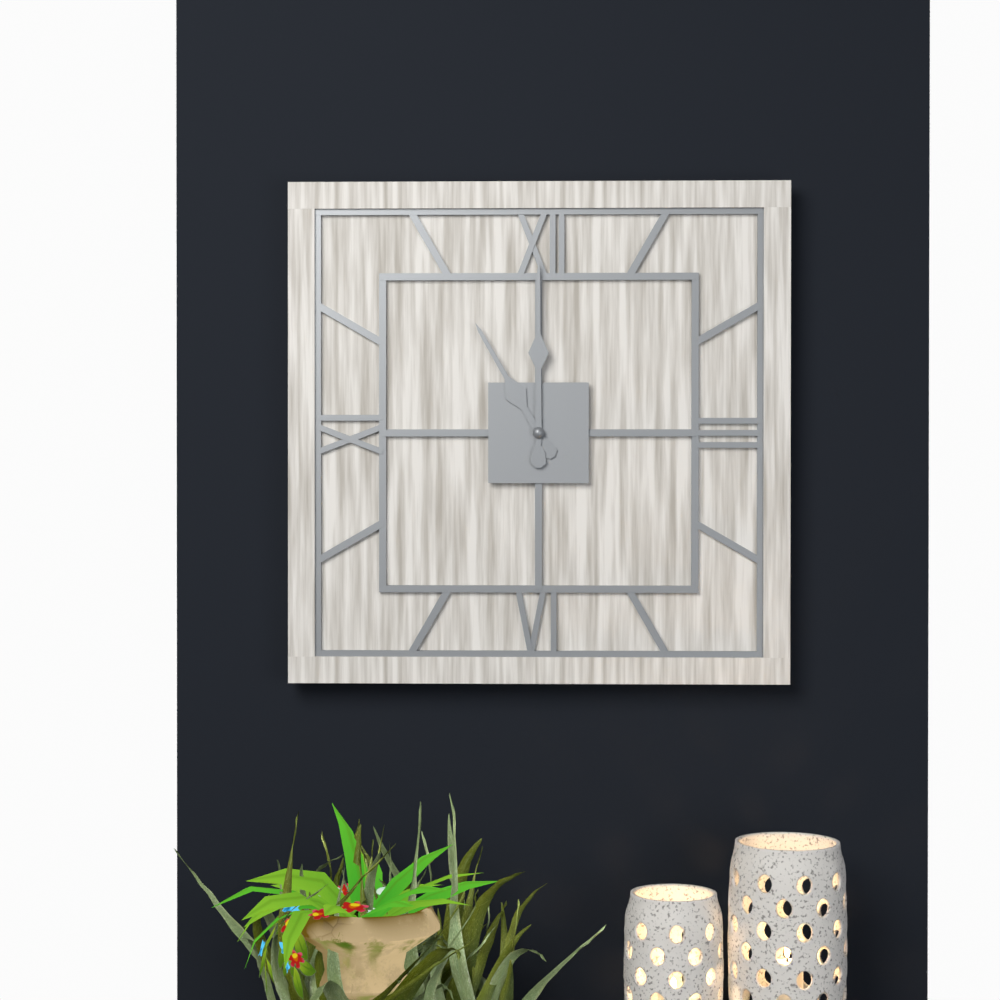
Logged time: 11,00
